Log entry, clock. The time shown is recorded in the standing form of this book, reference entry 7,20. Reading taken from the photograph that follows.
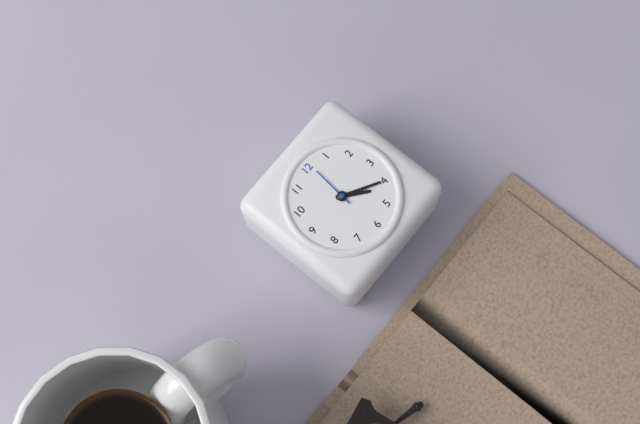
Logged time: 4,20
